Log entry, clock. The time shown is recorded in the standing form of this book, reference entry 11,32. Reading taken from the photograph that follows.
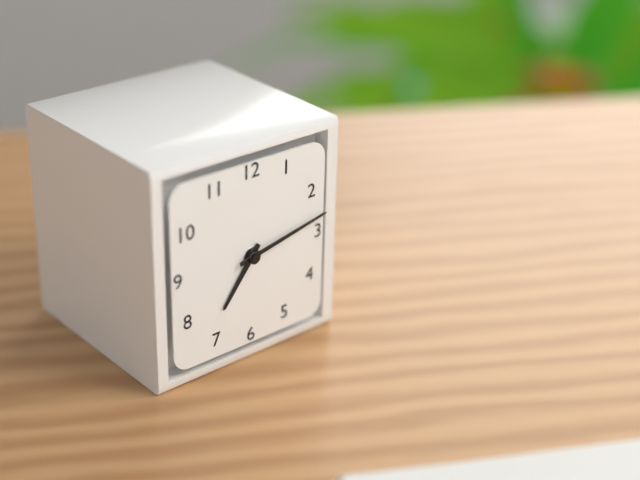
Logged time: 7,13
